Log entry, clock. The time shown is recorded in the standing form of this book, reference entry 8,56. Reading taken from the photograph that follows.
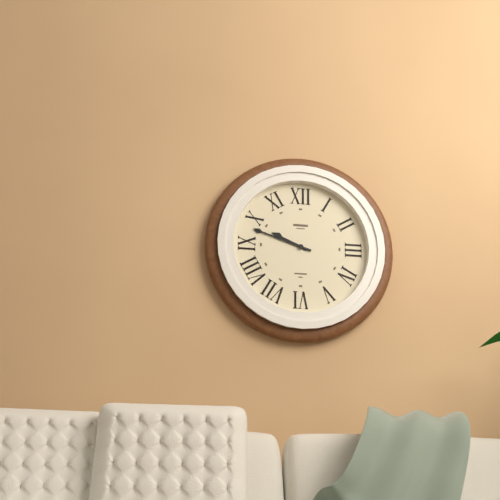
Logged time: 9,48
